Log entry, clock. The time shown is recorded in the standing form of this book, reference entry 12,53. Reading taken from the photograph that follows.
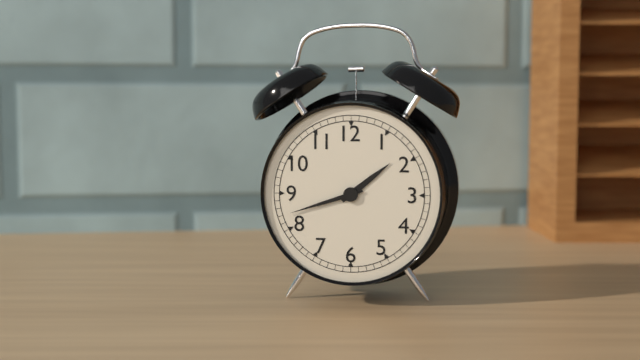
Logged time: 1,42
